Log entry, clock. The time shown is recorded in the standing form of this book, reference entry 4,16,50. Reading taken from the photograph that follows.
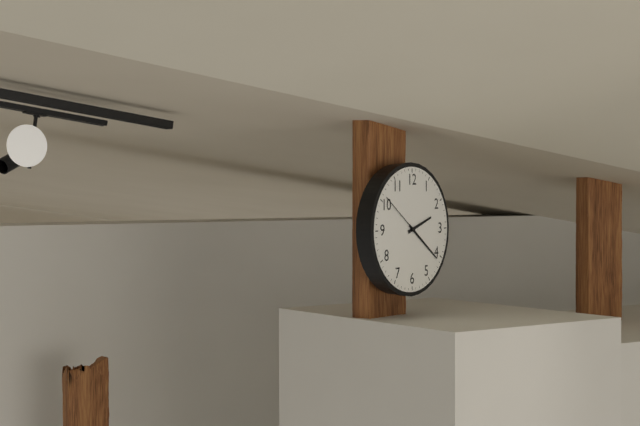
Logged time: 2,21,51
